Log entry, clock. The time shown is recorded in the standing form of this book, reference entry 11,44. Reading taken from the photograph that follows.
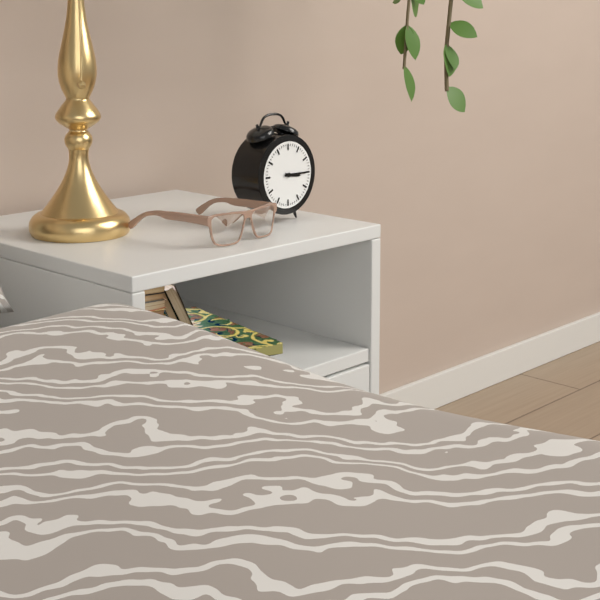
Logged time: 3,15
